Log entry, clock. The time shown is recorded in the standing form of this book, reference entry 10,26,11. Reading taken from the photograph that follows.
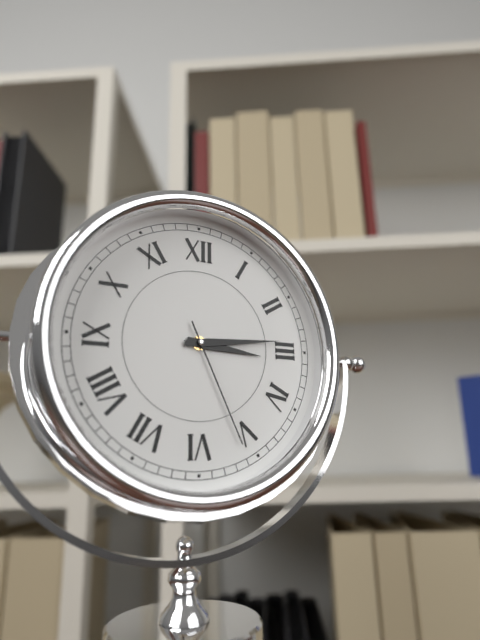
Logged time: 3,14,26
